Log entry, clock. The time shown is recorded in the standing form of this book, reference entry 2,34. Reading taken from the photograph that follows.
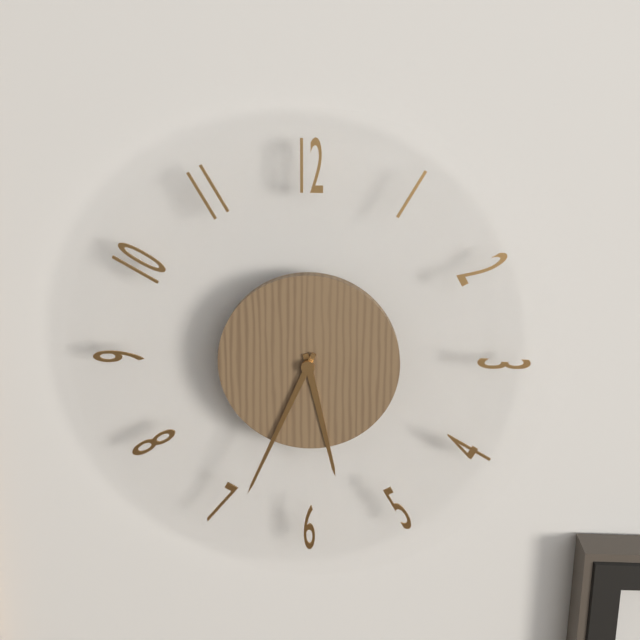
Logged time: 5,34
